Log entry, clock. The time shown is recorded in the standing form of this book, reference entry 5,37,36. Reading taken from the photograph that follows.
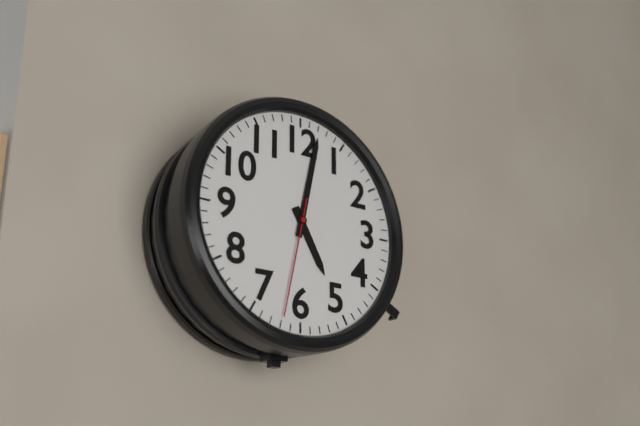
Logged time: 5,02,32
